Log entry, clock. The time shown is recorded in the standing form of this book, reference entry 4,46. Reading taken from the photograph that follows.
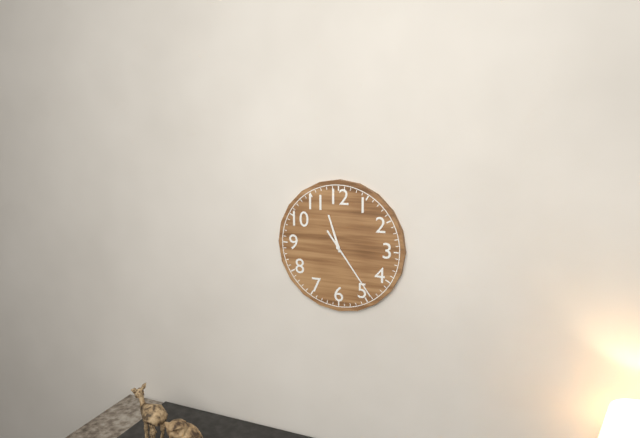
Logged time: 11,24
